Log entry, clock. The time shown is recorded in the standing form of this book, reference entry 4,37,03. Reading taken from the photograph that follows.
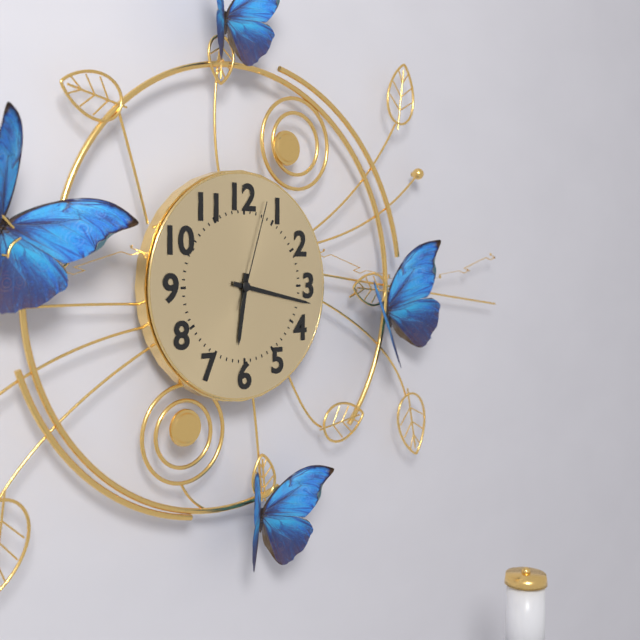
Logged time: 6,17,03
